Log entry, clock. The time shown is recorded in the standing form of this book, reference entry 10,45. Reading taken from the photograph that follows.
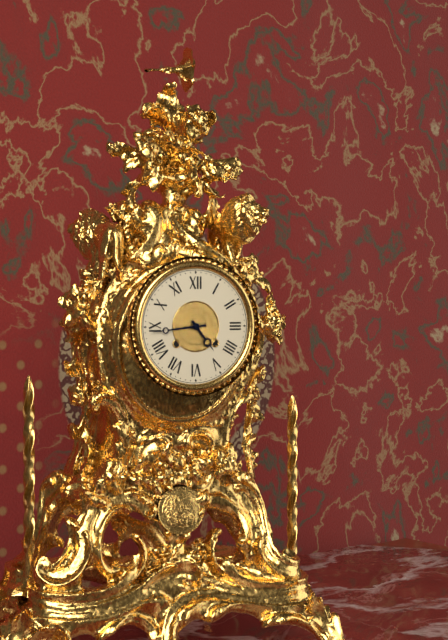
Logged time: 4,44
